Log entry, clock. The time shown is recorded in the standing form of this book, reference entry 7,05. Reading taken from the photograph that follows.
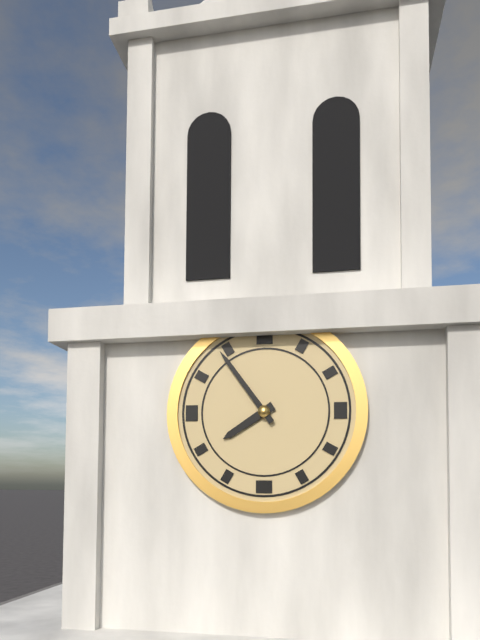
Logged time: 7,54
